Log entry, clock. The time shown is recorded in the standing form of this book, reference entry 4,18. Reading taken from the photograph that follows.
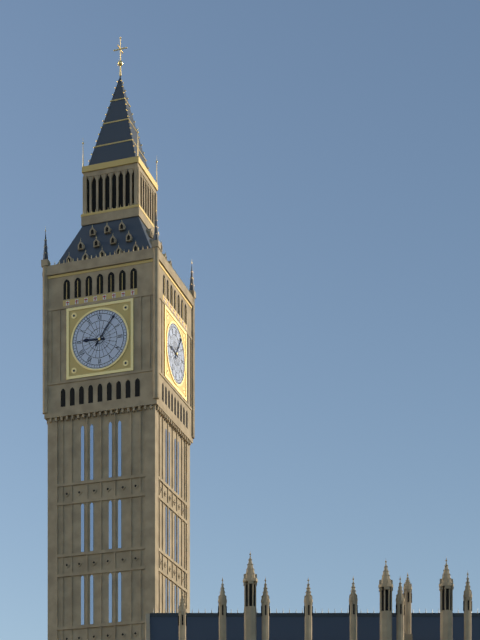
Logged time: 9,06
